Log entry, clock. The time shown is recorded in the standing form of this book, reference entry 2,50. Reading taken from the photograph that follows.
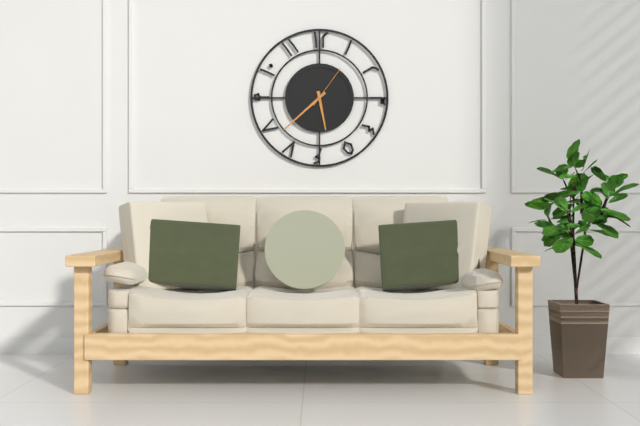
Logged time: 5,38
